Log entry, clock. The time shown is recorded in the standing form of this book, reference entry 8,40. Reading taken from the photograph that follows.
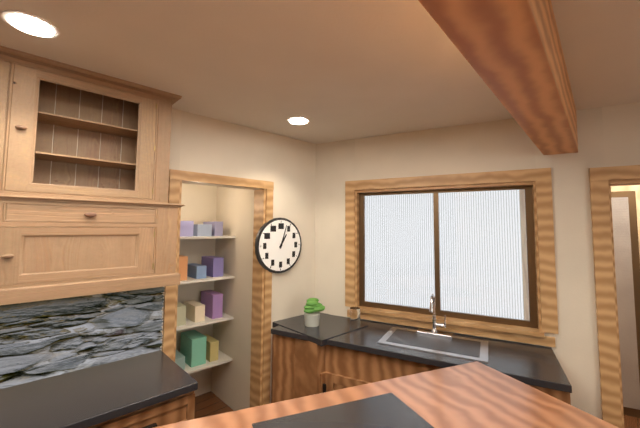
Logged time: 1,03
